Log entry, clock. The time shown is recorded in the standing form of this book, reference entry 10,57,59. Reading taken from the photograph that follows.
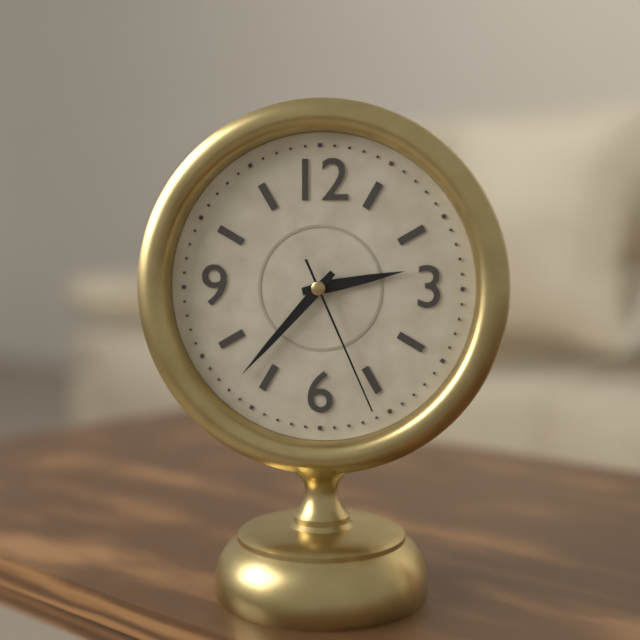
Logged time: 2,37,26
